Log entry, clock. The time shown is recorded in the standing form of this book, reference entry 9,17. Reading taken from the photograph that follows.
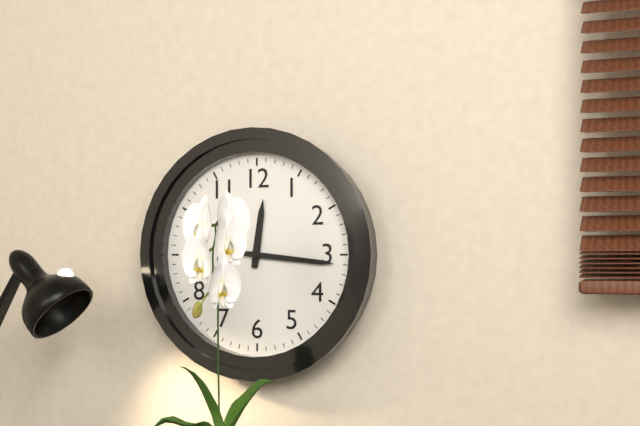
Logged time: 12,16
